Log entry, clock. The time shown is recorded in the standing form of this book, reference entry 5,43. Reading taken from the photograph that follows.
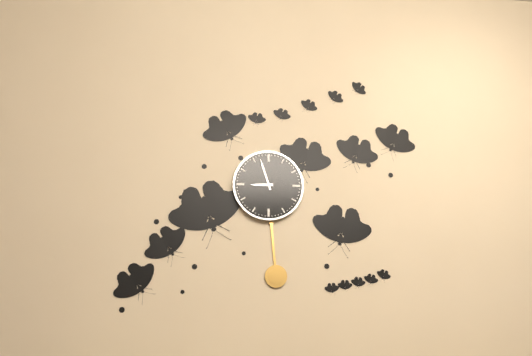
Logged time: 8,57
